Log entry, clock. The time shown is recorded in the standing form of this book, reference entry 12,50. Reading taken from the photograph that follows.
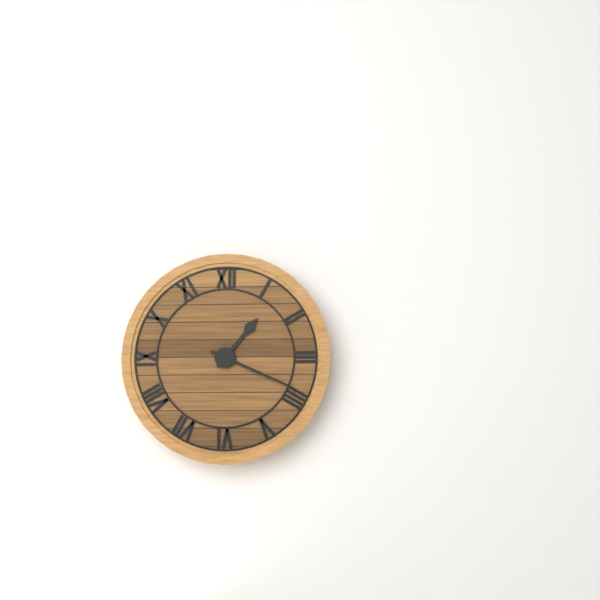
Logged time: 1,19
